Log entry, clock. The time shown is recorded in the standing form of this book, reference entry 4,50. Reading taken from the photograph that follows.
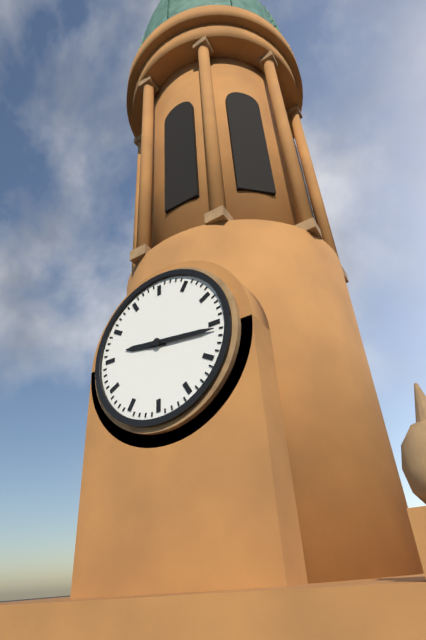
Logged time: 9,16
